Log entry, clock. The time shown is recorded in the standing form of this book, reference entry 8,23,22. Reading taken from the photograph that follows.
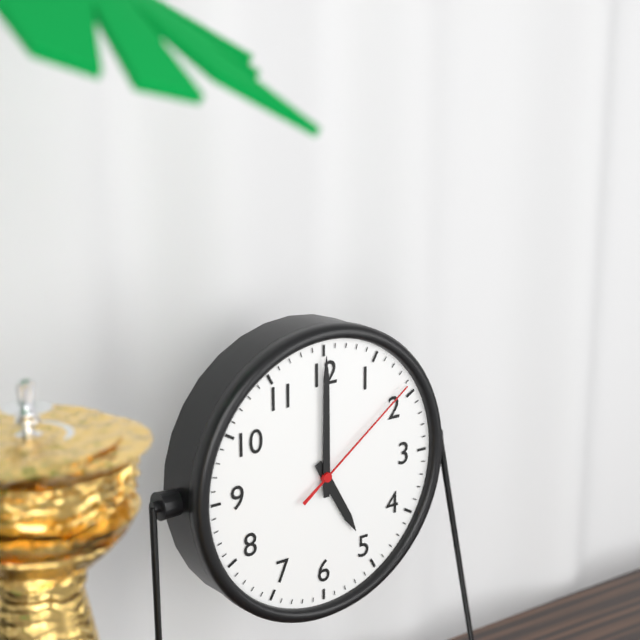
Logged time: 5,00,09
